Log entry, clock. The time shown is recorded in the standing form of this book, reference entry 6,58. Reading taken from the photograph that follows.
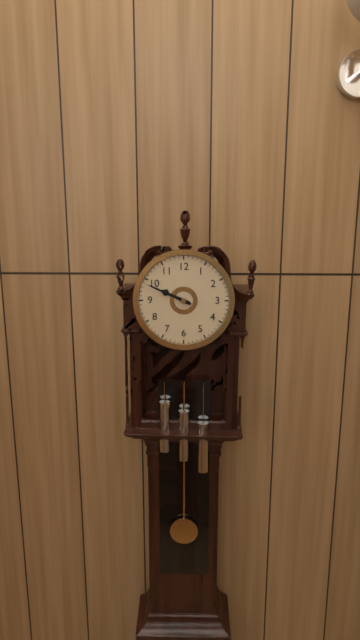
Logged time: 9,49
